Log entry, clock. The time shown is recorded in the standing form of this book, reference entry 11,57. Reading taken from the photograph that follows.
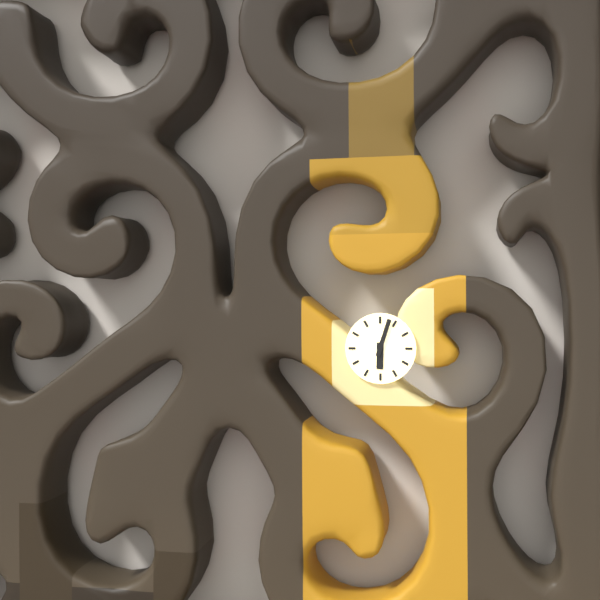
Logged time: 6,03
